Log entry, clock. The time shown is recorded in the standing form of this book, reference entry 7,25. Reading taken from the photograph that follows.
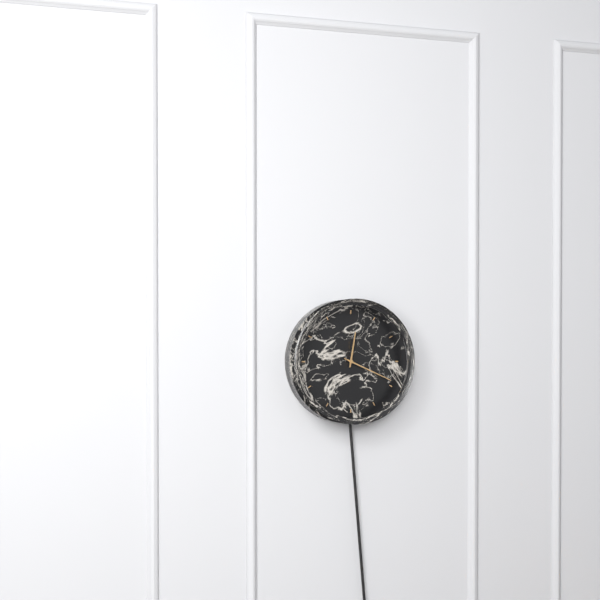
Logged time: 12,19
